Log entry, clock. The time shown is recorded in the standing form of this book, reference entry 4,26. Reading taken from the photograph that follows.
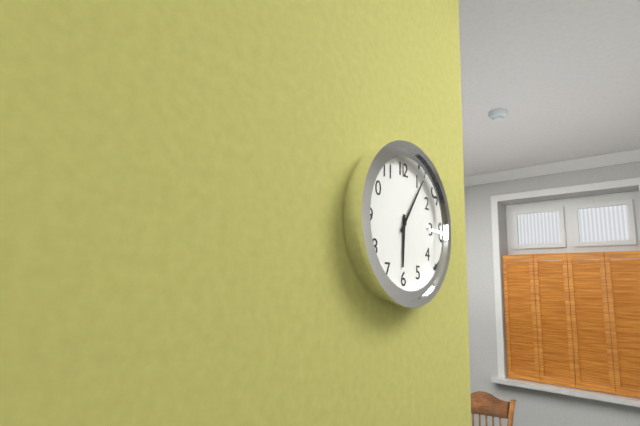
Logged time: 6,06
